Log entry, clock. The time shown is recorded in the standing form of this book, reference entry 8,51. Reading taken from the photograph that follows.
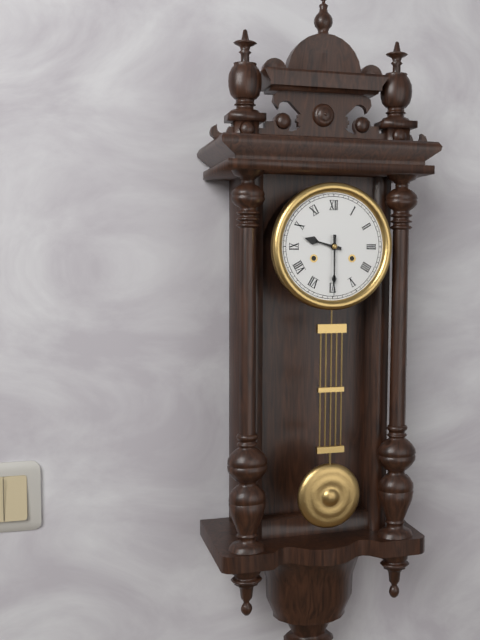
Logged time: 9,30
